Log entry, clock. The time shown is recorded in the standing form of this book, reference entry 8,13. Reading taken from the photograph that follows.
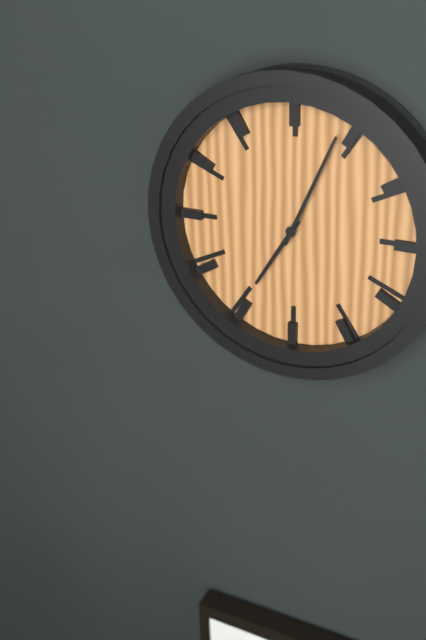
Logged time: 7,04
